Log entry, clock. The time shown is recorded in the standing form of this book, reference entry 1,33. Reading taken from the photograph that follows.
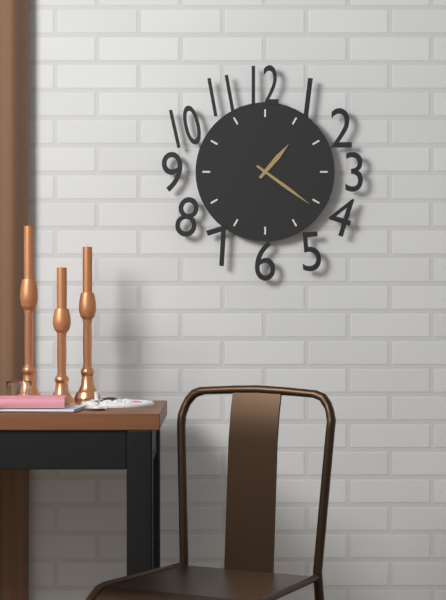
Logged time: 1,21
